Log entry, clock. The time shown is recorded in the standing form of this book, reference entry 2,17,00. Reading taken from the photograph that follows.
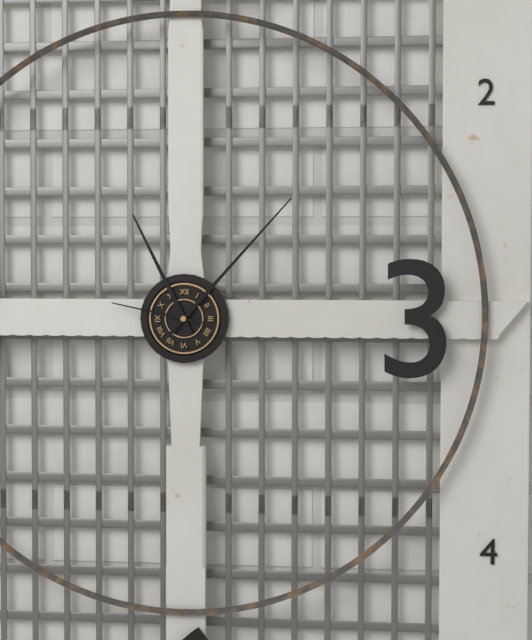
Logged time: 11,07,47
